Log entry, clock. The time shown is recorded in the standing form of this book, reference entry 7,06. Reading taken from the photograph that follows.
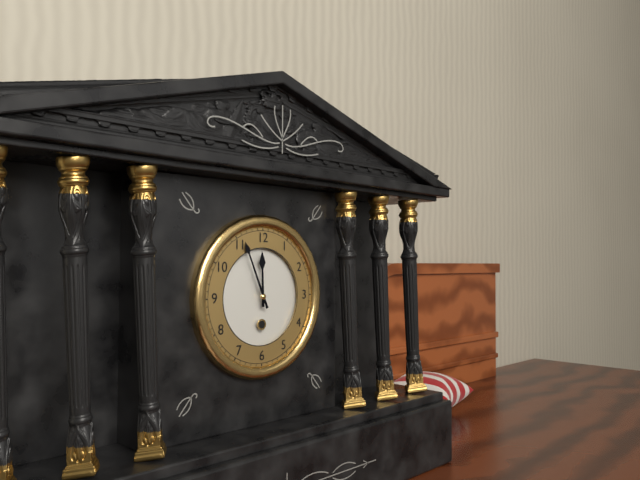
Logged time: 11,56
